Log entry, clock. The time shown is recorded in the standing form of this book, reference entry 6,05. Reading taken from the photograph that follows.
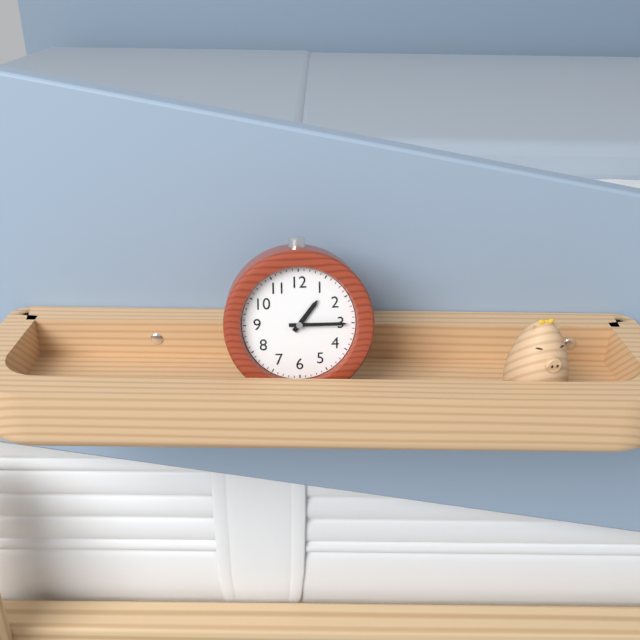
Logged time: 1,15
